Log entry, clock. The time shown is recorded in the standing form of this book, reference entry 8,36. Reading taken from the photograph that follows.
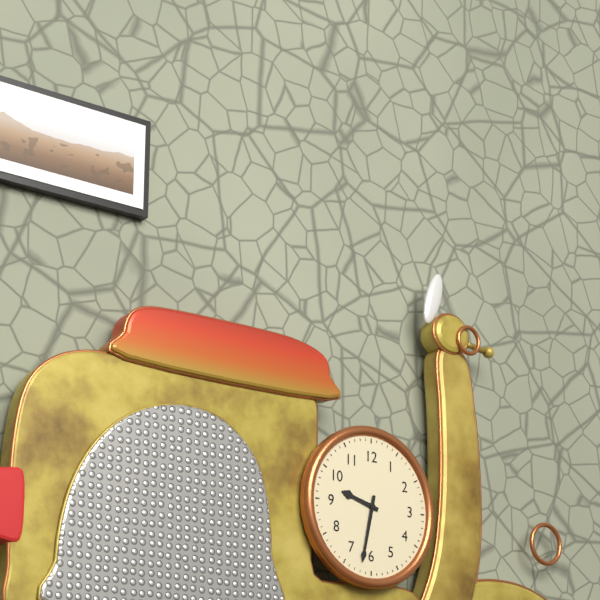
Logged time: 9,32
